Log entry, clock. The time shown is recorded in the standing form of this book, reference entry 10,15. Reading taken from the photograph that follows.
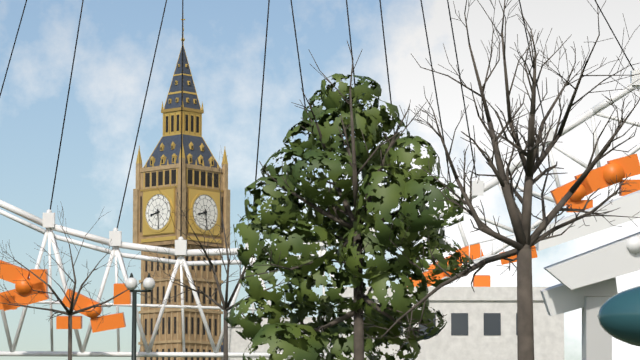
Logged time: 8,29
